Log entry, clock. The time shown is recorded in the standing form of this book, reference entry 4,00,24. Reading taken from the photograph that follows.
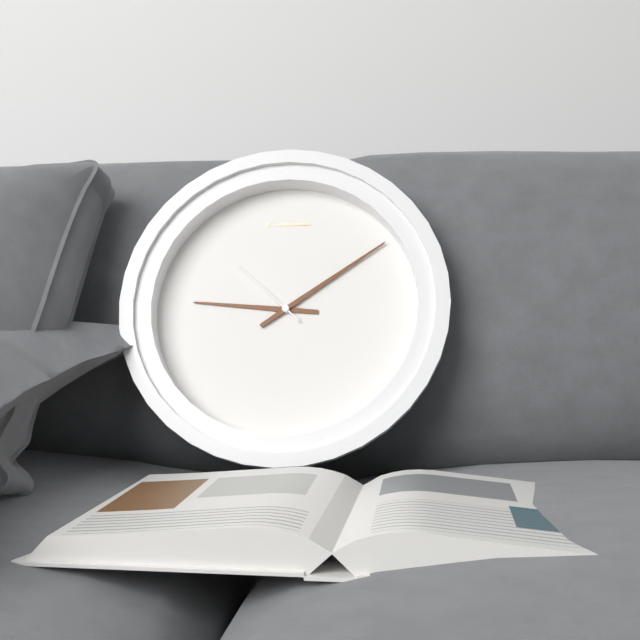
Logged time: 9,09,52
